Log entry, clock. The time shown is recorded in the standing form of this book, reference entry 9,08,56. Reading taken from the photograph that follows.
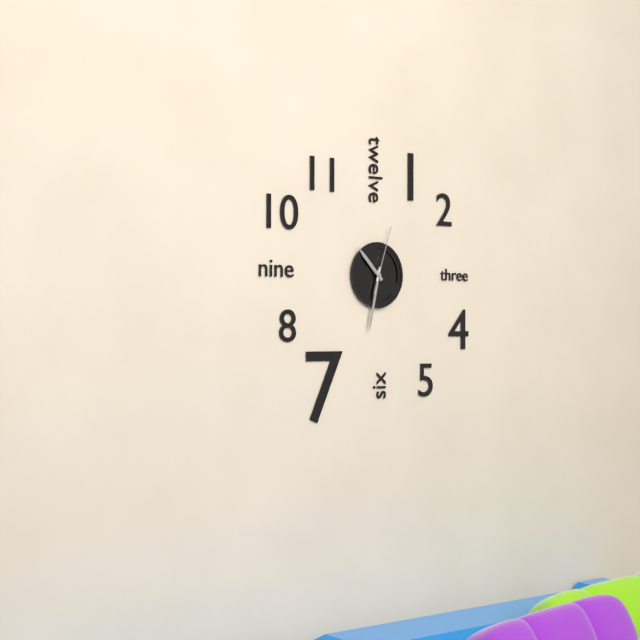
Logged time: 10,32,03
